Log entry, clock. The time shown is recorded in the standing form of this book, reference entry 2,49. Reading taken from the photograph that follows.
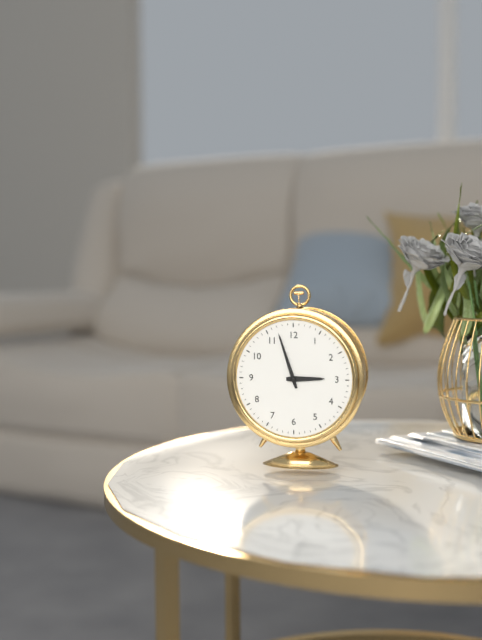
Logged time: 2,57
